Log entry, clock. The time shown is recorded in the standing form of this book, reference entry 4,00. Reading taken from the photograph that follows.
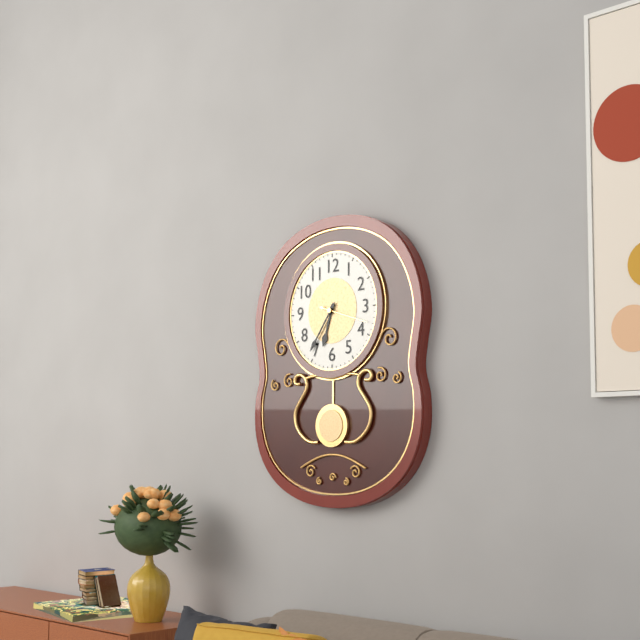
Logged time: 6,36
